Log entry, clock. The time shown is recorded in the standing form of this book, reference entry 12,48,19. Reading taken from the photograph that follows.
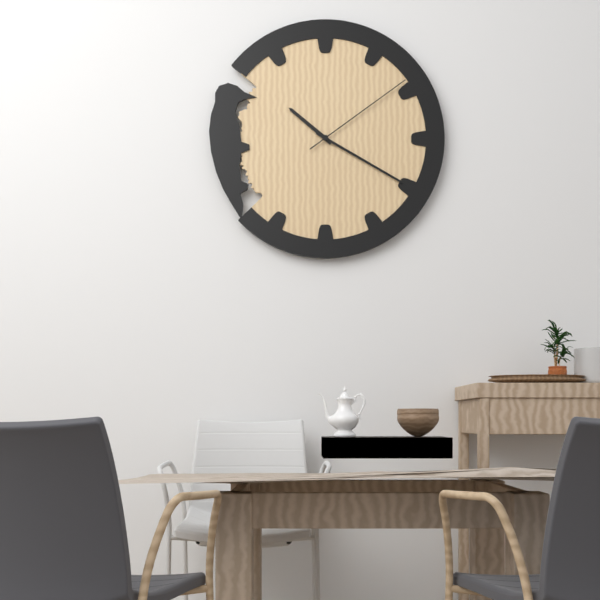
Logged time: 10,20,09
